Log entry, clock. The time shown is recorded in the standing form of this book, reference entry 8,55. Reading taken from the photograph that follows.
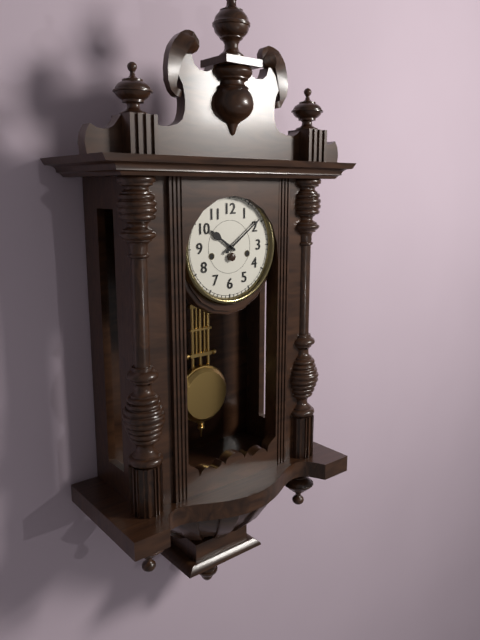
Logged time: 10,09
